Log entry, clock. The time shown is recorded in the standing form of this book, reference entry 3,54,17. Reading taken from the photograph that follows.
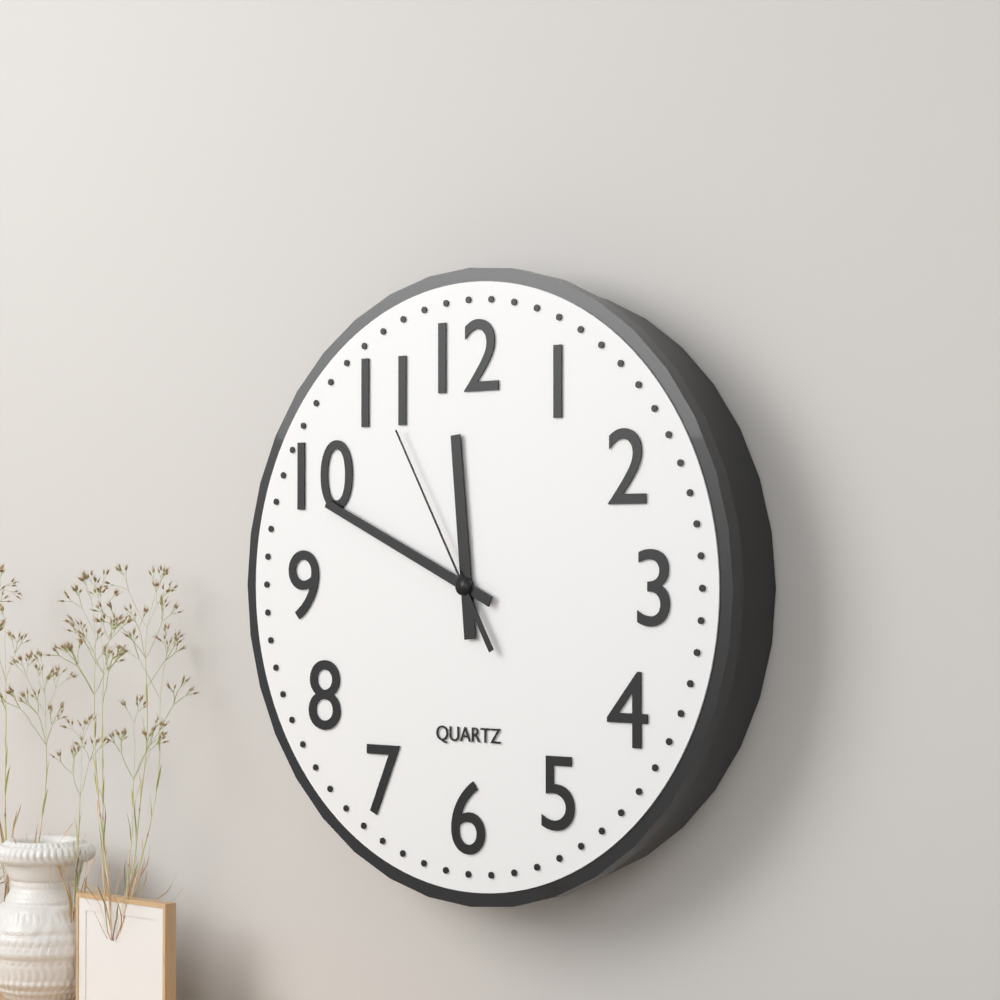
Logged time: 11,49,55
